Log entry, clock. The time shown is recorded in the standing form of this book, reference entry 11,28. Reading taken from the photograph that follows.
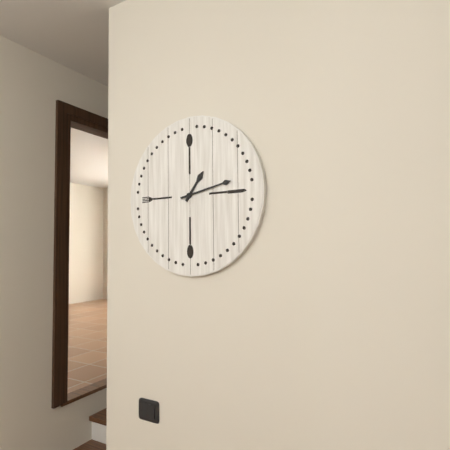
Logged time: 1,13
